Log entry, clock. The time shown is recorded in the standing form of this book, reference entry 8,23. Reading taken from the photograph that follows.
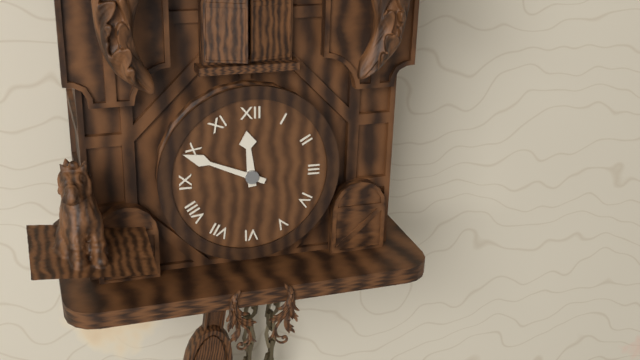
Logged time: 11,49
